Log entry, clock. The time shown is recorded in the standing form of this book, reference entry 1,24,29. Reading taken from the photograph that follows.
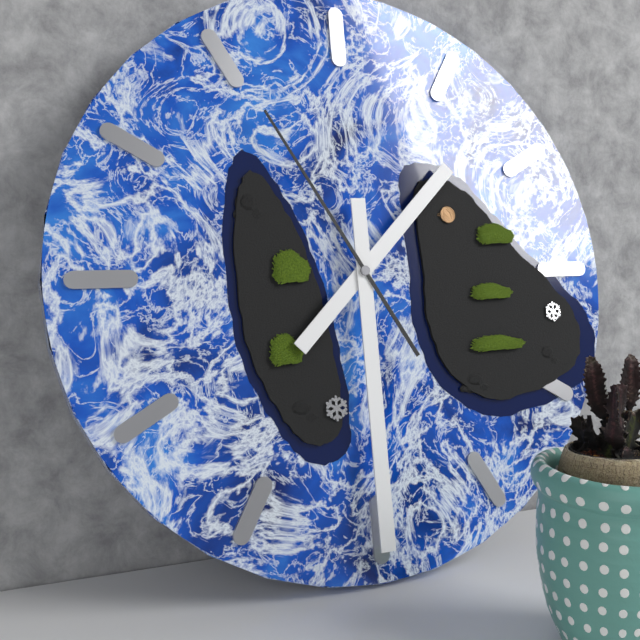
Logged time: 1,30,55
